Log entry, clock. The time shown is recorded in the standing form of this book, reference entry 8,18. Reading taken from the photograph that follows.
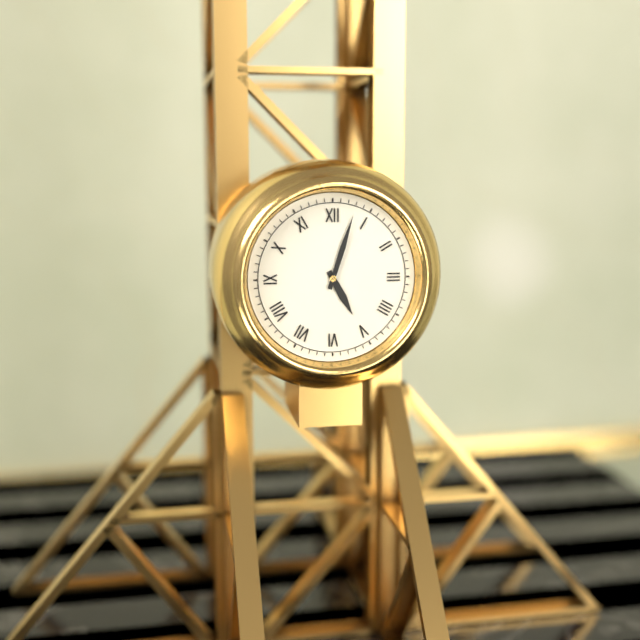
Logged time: 5,03
